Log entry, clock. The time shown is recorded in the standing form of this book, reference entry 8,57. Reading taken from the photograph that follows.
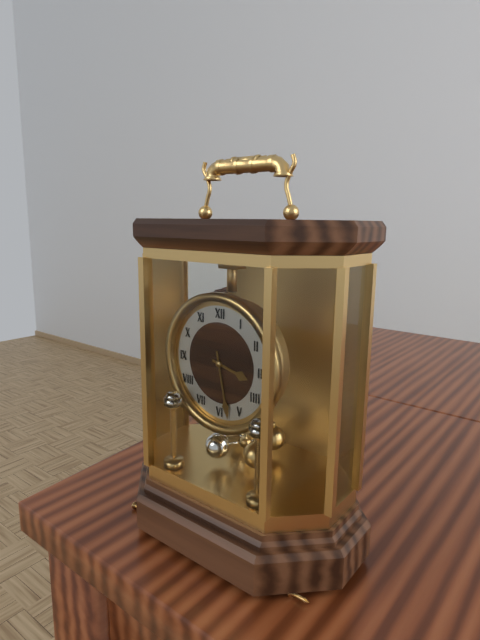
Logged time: 3,28
